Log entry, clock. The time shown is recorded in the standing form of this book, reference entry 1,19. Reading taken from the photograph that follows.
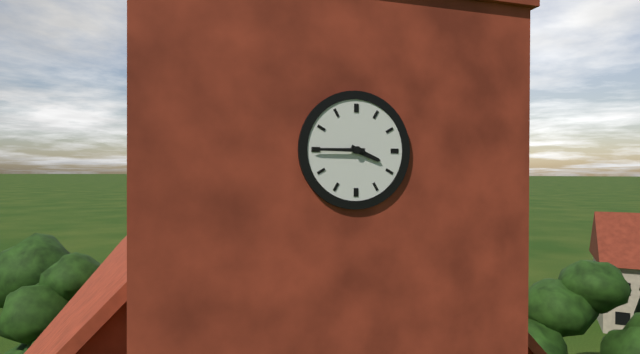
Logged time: 3,45
